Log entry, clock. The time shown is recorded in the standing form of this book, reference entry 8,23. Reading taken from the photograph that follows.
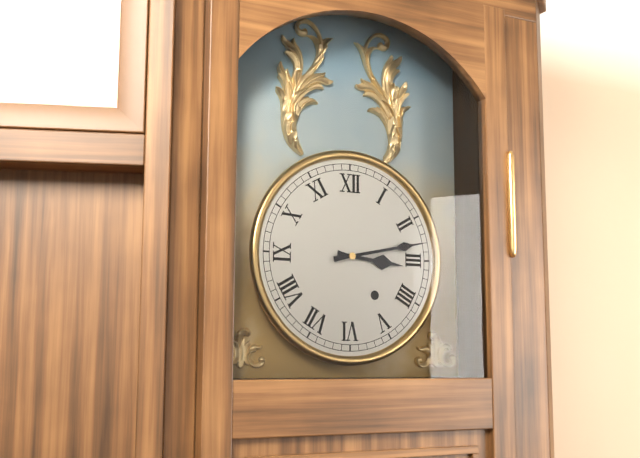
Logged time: 3,13
